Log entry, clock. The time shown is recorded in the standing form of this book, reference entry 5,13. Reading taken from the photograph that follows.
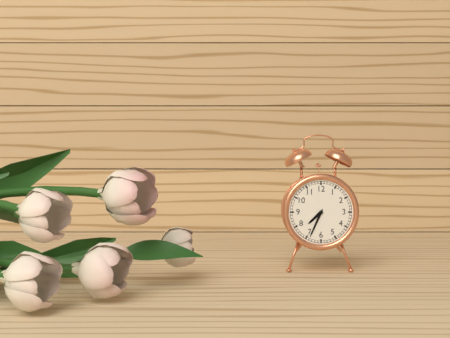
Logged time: 7,34
